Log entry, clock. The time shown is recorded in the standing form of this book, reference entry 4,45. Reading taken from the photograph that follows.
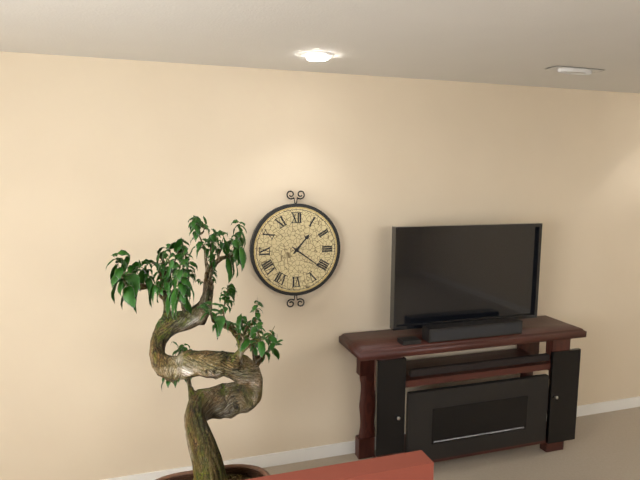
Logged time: 1,21
